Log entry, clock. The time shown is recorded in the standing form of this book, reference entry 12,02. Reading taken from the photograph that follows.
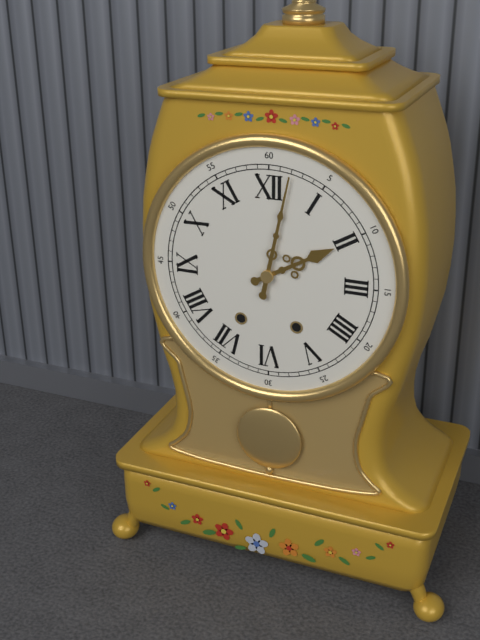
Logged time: 2,02
